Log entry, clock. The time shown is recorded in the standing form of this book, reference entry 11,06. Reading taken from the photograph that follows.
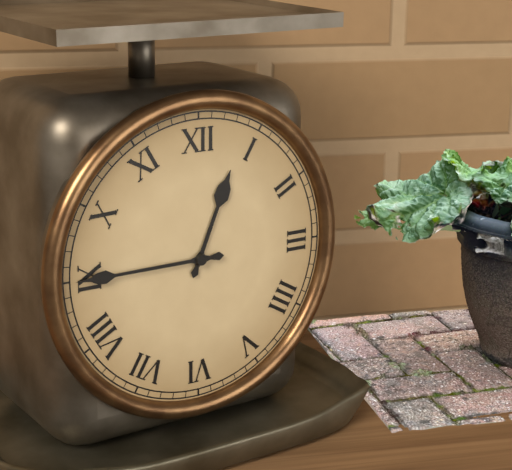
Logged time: 12,45
